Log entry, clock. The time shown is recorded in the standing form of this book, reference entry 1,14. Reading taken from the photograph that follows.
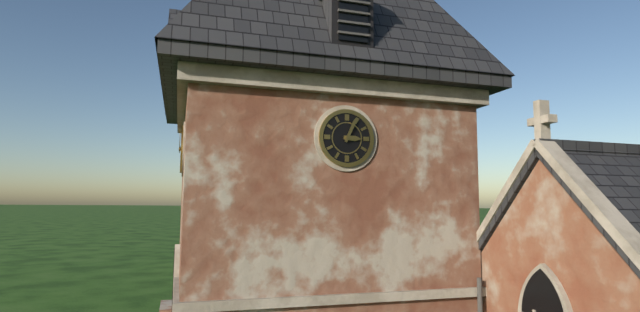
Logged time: 3,04
